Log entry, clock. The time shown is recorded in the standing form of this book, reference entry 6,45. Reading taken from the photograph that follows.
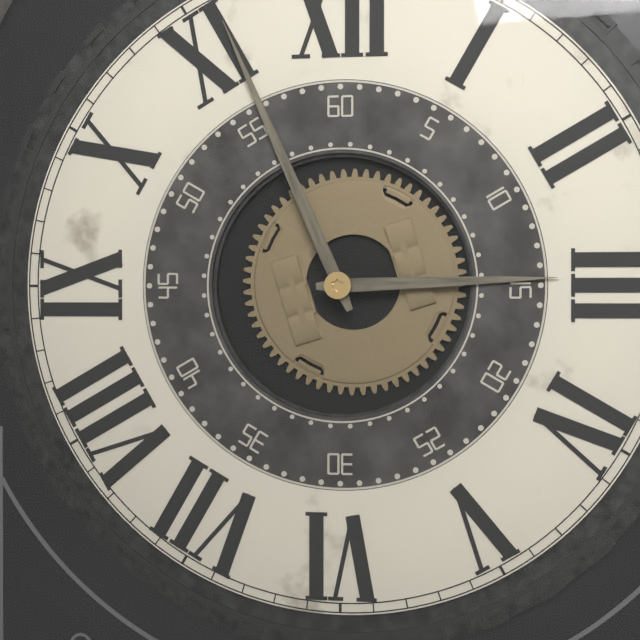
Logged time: 2,56
